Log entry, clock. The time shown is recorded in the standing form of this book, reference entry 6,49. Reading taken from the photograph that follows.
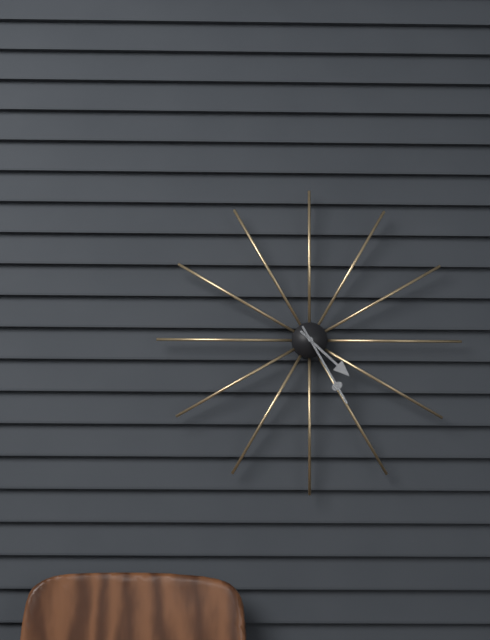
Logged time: 4,25
